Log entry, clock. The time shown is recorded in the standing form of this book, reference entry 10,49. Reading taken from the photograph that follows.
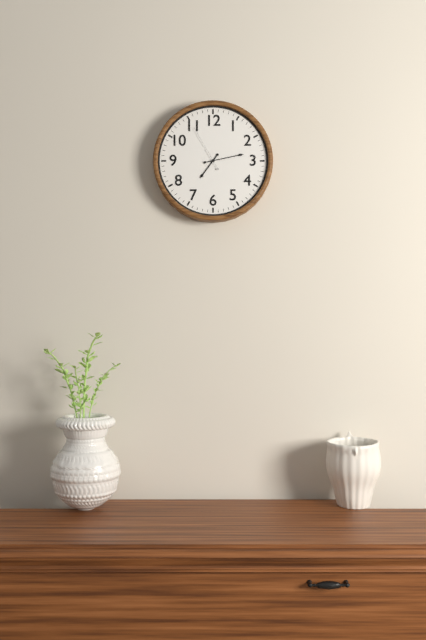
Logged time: 7,13
